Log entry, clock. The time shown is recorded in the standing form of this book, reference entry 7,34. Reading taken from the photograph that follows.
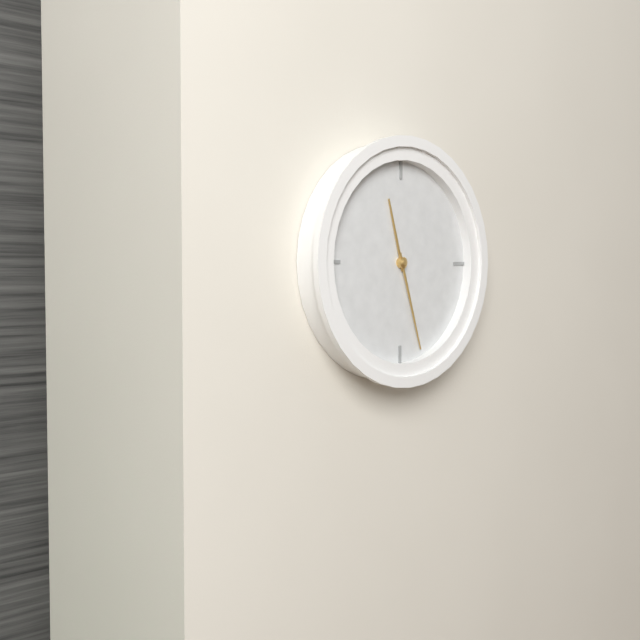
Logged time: 11,27
